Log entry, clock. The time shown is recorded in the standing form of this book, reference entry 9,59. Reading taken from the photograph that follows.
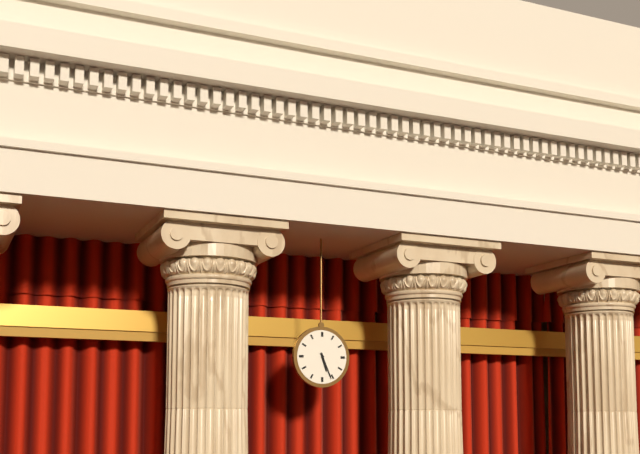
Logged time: 5,26
